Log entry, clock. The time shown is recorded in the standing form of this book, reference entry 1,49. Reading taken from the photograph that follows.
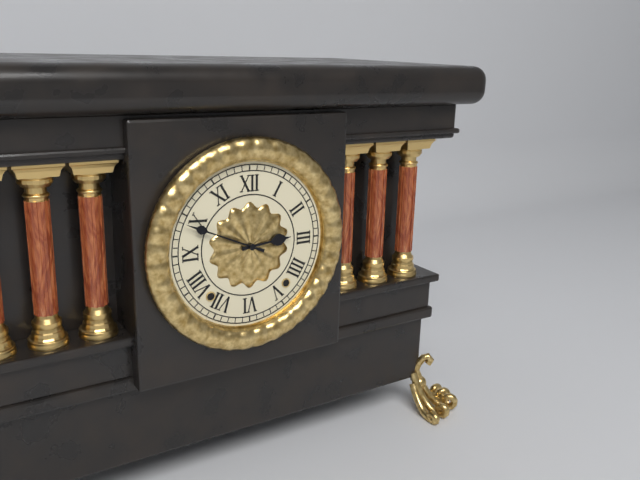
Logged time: 2,49
